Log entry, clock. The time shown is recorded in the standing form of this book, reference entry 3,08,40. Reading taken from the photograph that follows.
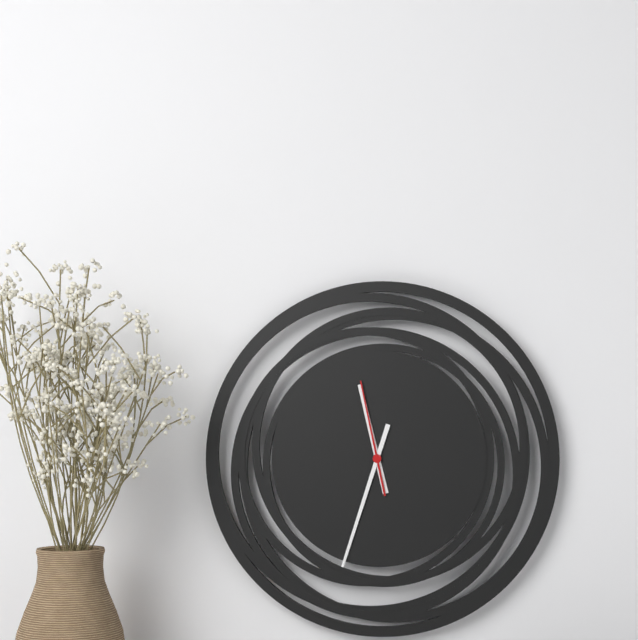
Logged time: 11,33,58
